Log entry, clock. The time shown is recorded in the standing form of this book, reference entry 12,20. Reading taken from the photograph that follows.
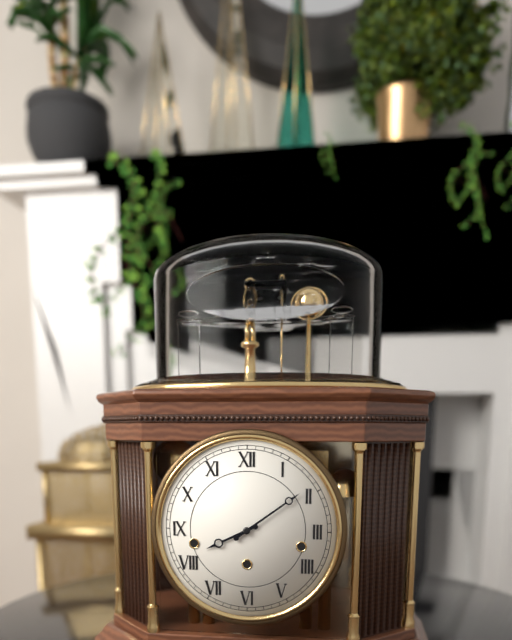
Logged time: 8,09
